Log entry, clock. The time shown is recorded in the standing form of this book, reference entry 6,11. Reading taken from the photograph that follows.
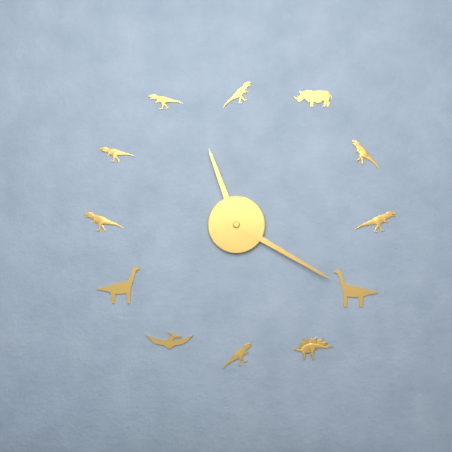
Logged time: 11,20
